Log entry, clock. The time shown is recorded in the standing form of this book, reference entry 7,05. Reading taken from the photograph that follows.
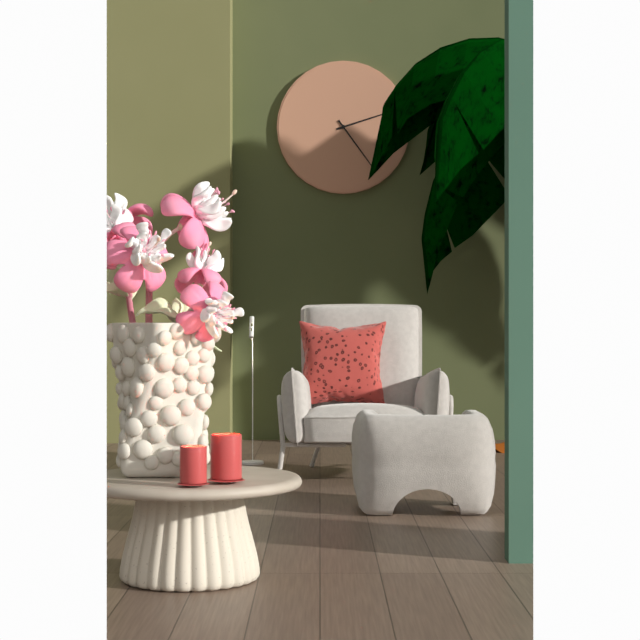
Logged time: 2,24
